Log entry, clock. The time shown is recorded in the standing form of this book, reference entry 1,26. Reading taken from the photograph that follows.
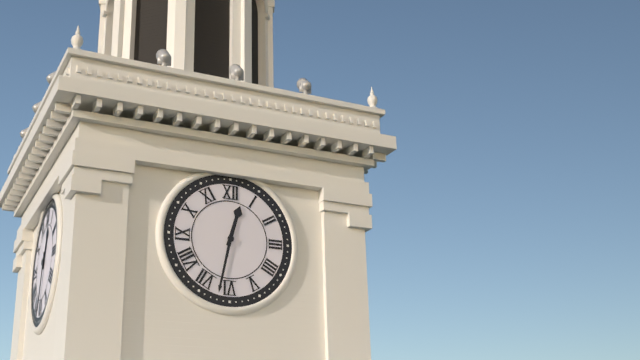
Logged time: 12,32
